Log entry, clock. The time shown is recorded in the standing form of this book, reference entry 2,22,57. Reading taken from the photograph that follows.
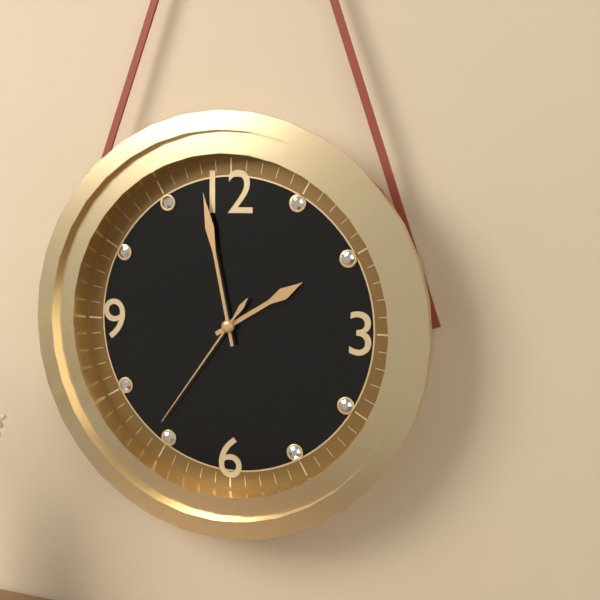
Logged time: 1,58,36
